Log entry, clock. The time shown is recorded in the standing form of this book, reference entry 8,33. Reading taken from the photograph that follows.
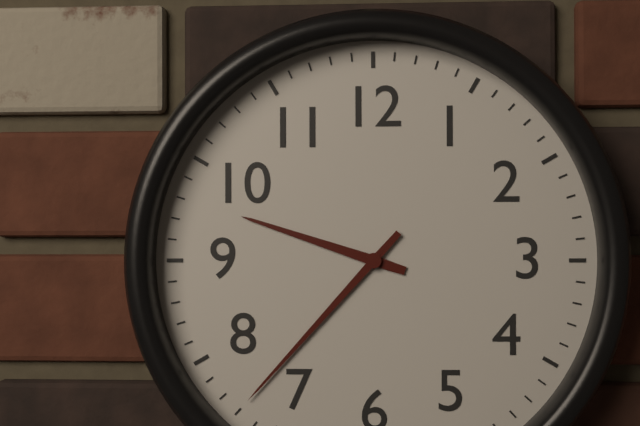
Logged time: 9,37
